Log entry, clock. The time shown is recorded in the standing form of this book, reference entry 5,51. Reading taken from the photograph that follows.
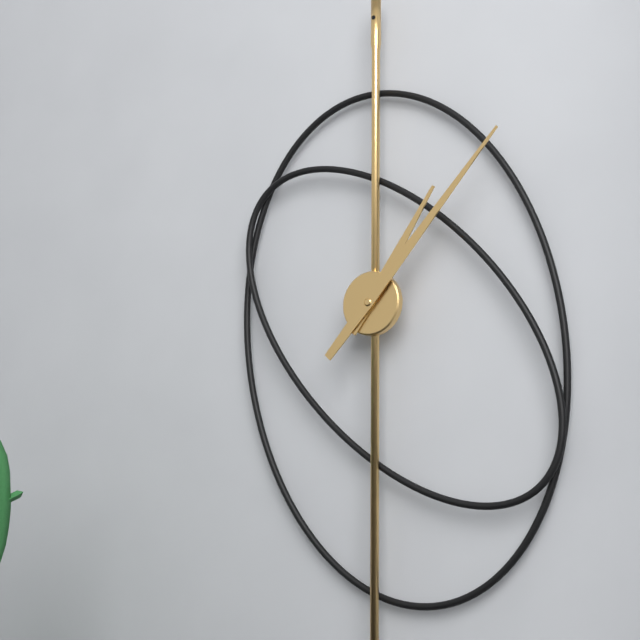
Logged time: 1,07
